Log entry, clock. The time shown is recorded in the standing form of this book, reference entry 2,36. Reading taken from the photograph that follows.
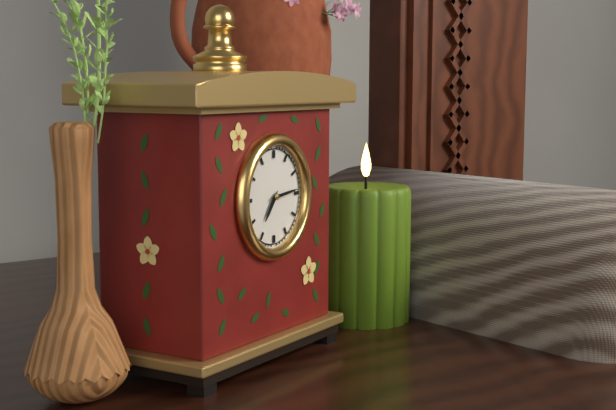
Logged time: 7,14
